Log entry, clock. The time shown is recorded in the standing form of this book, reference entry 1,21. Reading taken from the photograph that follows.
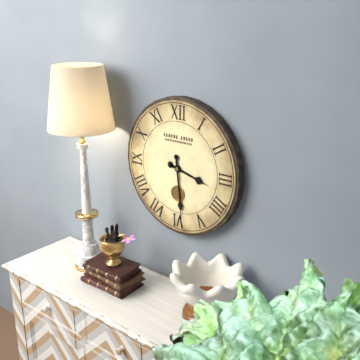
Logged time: 3,29
